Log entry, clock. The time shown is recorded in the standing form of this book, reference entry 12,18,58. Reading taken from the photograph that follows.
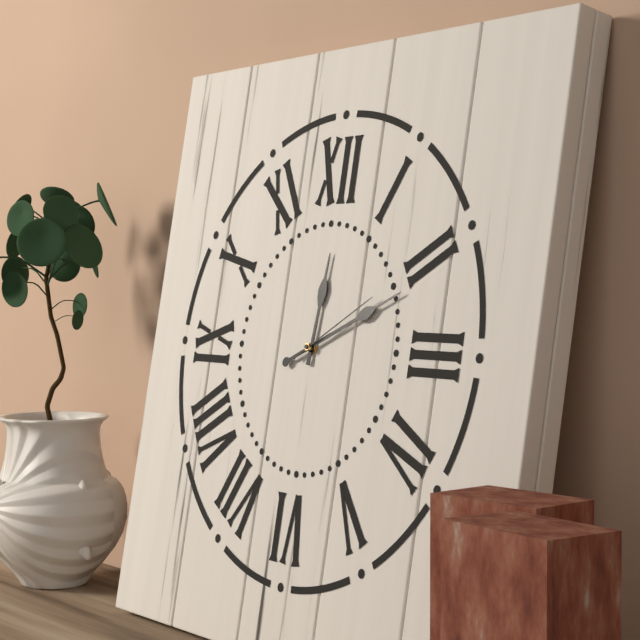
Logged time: 12,11,10
